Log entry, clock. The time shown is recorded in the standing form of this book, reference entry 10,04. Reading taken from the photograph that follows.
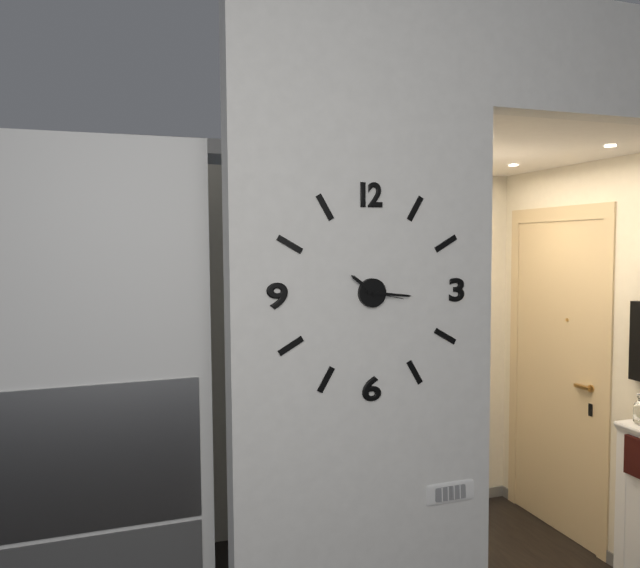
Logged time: 10,16
